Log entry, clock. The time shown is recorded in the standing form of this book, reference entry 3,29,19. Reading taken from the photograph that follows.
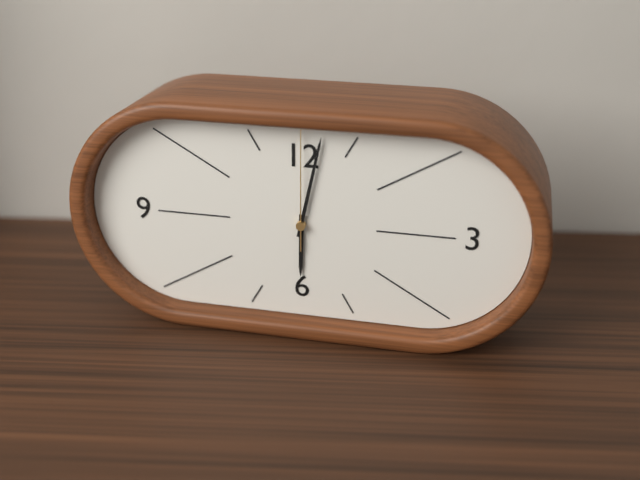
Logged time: 6,02,00
